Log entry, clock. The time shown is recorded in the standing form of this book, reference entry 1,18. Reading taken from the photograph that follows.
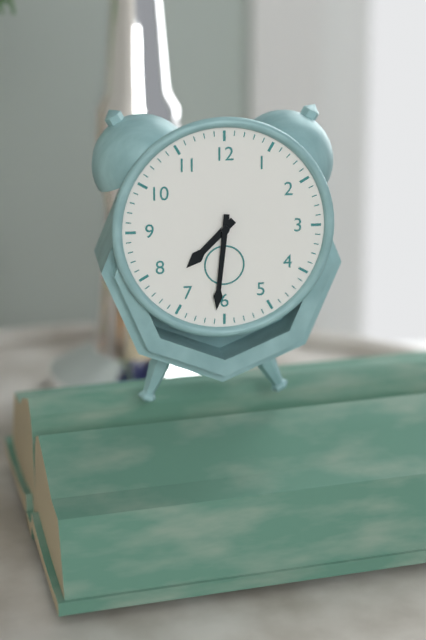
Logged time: 7,31
